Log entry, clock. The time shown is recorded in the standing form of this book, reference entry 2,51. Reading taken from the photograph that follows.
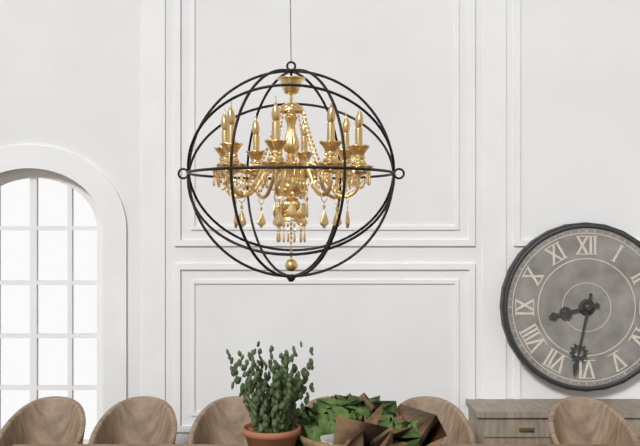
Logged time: 8,32
